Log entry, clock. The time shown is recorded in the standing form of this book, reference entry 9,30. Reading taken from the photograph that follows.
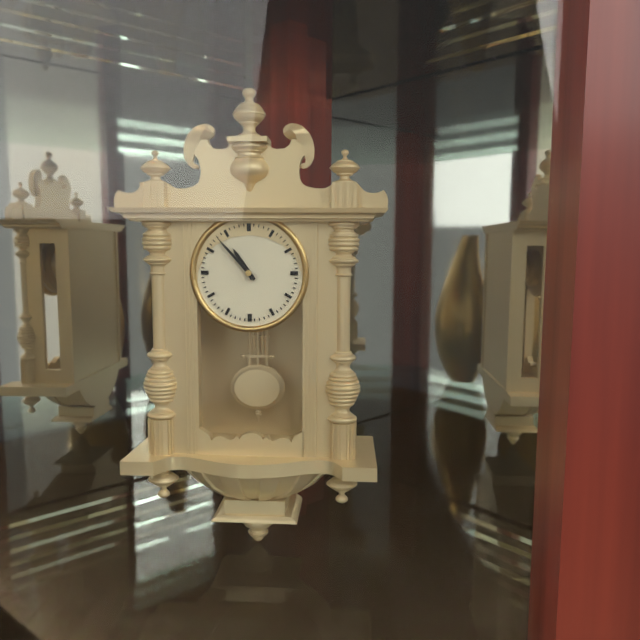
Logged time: 10,53
